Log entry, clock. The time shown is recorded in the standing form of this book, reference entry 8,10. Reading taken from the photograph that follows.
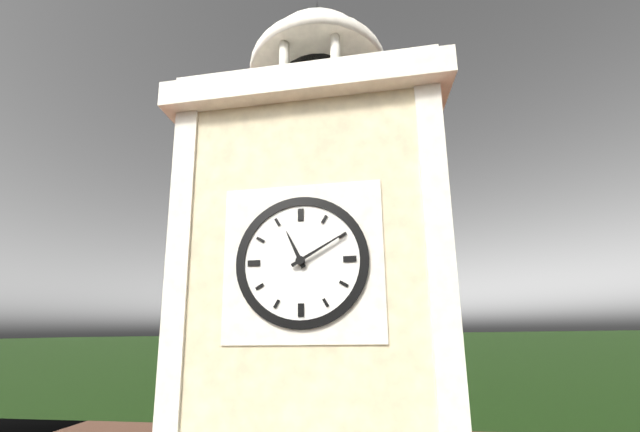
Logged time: 11,10
